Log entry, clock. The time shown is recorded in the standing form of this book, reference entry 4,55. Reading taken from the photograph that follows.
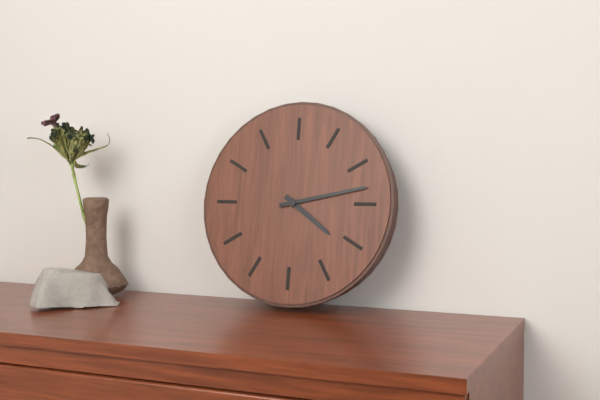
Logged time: 4,13
